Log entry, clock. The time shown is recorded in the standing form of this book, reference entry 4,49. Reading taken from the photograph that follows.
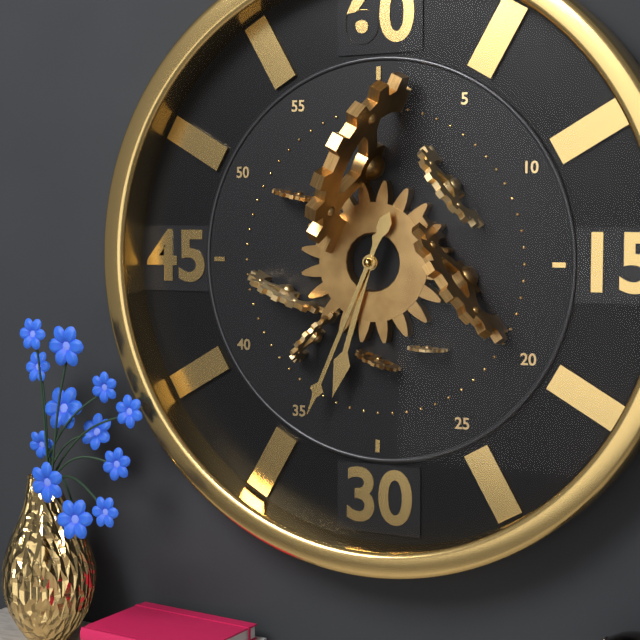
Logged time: 6,34
